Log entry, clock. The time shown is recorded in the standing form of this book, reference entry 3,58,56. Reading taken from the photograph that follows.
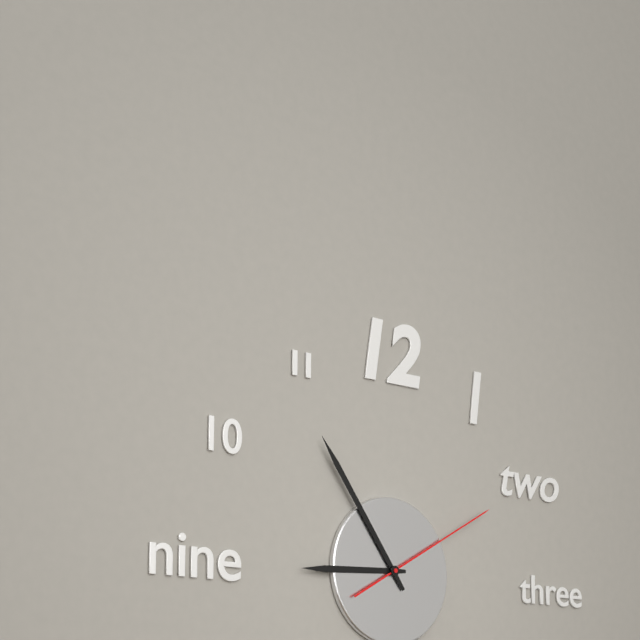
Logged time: 8,54,10
